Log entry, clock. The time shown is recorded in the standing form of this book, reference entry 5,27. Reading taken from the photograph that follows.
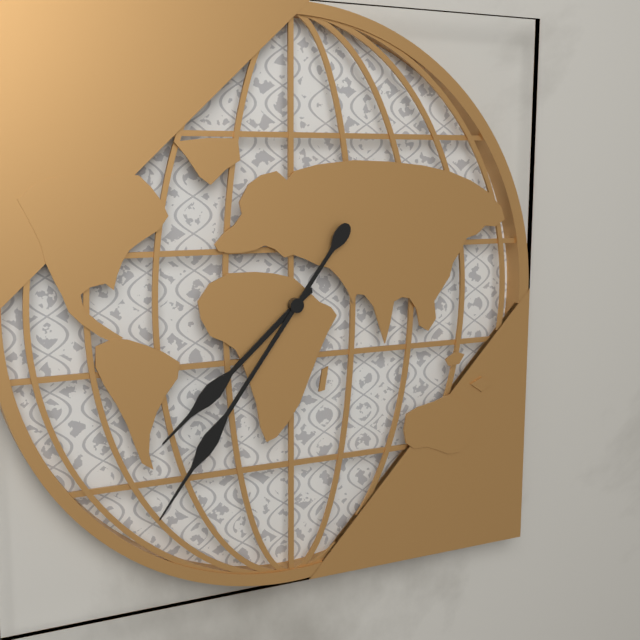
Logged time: 7,36
